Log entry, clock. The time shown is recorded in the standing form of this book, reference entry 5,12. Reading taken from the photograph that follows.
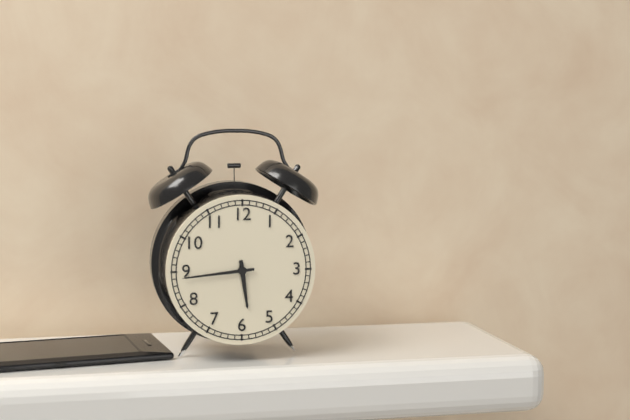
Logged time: 5,44
